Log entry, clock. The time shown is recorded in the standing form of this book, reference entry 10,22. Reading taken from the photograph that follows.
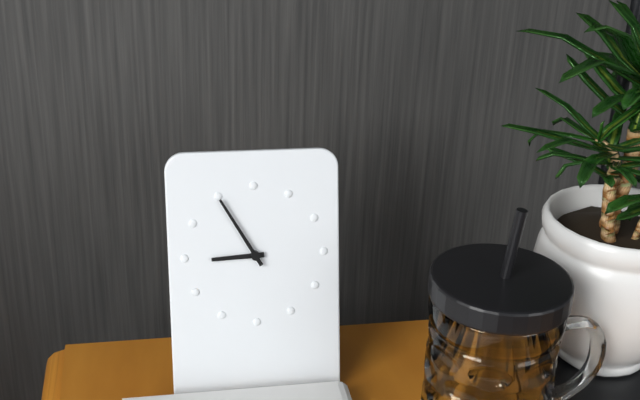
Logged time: 8,55
